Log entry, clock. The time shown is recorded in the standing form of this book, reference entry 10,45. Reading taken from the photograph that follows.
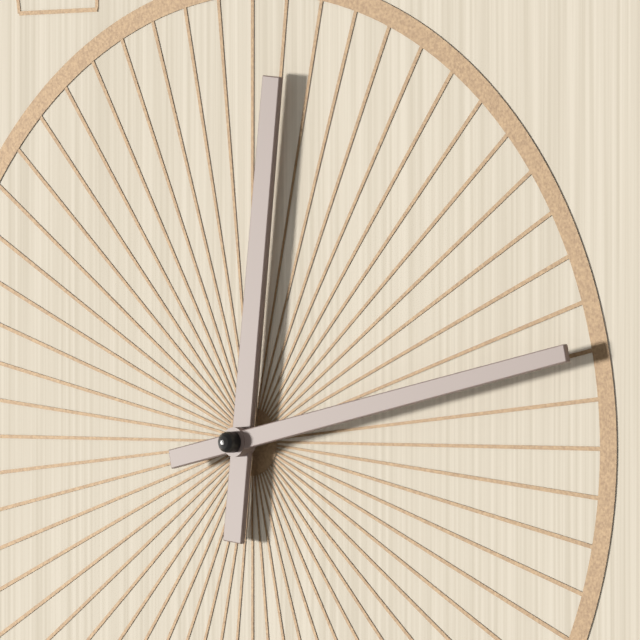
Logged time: 12,13
